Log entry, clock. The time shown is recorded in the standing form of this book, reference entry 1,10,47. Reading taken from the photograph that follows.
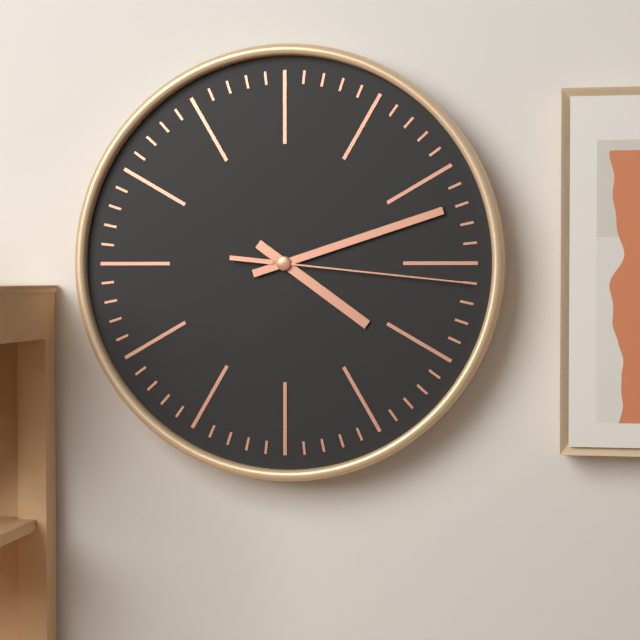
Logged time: 4,12,16
